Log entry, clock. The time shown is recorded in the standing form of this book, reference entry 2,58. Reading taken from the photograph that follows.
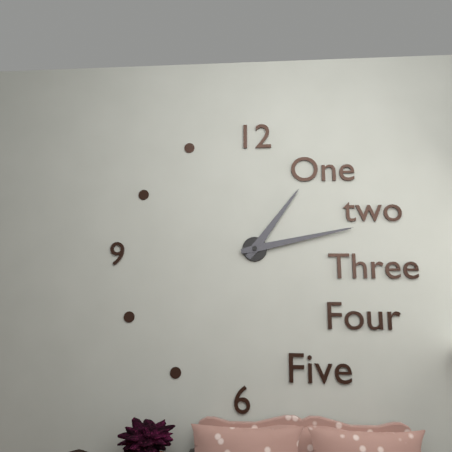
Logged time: 1,13
